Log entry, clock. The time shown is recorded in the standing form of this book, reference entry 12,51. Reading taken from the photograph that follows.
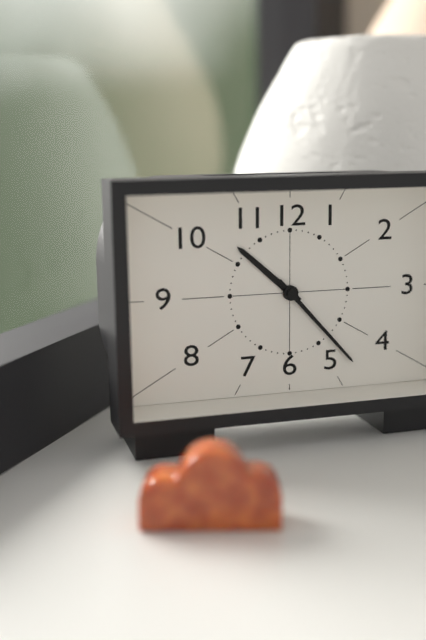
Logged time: 10,23
